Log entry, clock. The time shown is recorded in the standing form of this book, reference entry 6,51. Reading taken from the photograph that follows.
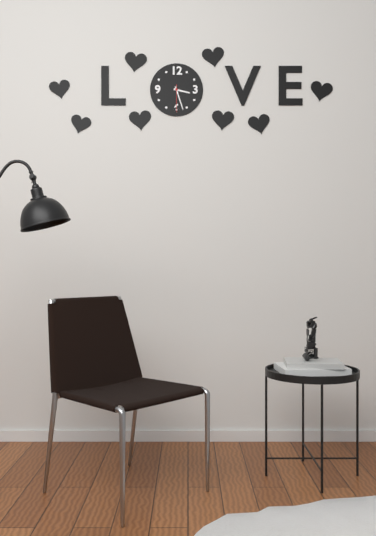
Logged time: 3,27
